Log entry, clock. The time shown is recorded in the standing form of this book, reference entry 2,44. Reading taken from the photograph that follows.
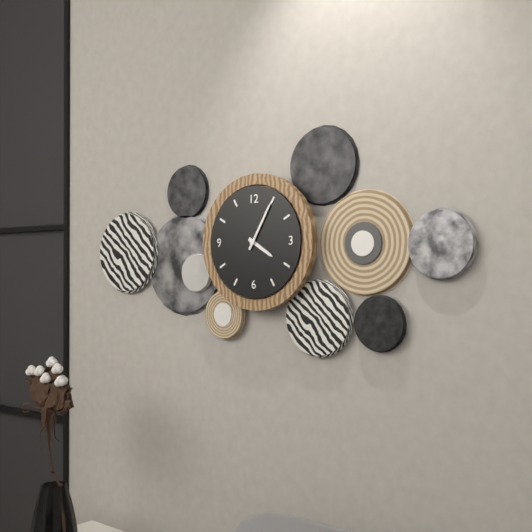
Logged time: 4,05
